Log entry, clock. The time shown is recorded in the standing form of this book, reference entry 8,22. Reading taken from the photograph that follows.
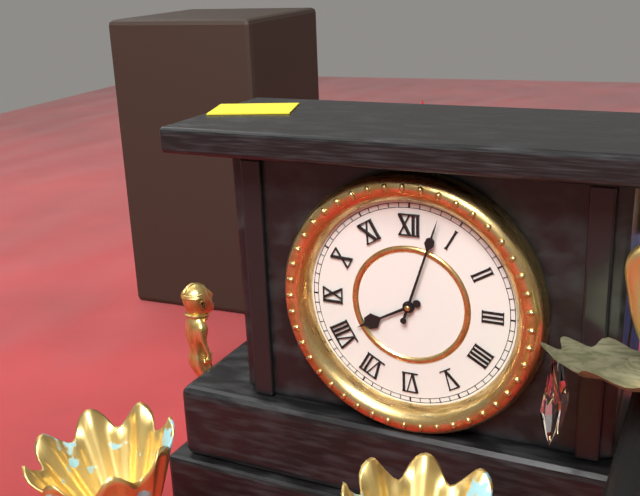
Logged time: 8,03
